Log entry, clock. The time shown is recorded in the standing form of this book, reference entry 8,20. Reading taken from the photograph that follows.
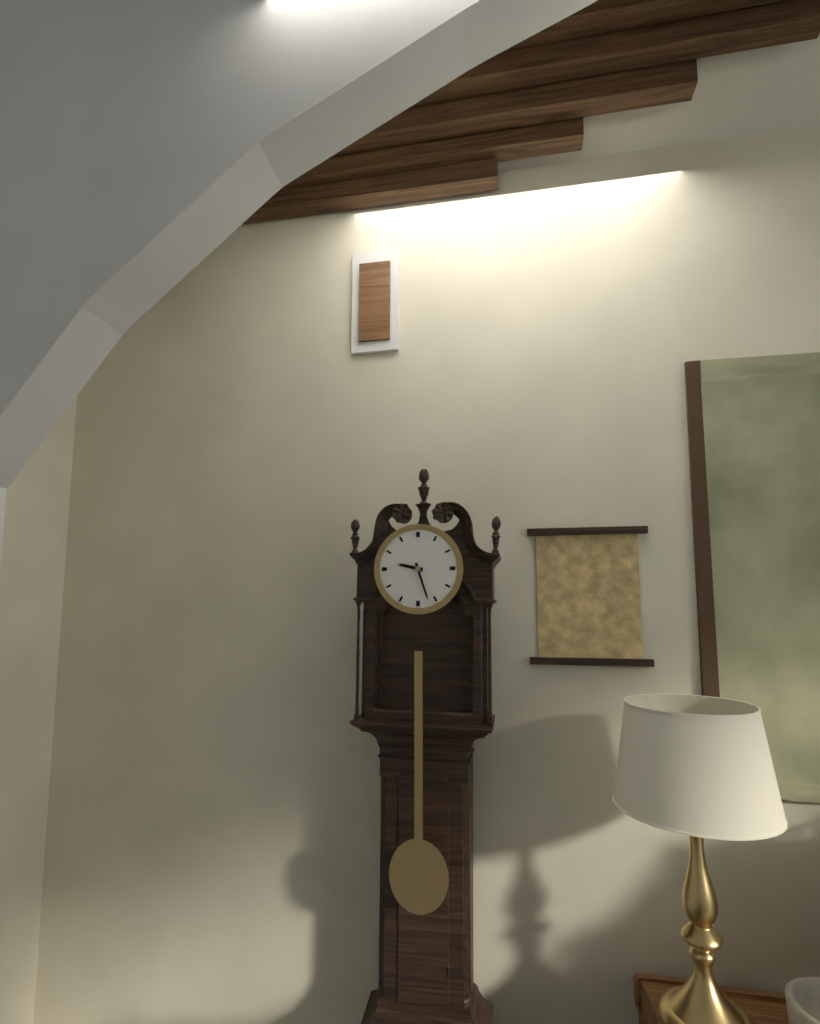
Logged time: 9,27
